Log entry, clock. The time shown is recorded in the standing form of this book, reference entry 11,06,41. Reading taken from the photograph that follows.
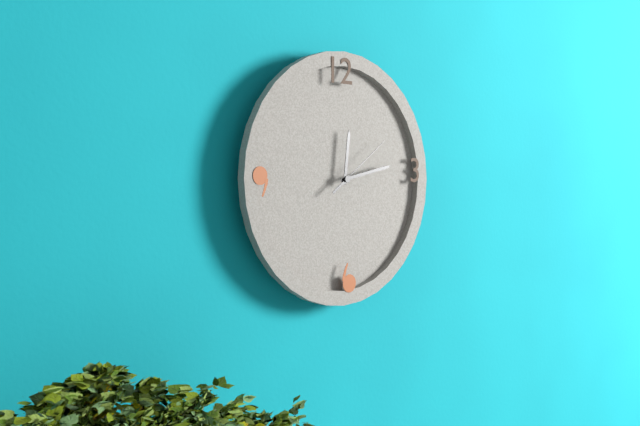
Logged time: 12,13,09
